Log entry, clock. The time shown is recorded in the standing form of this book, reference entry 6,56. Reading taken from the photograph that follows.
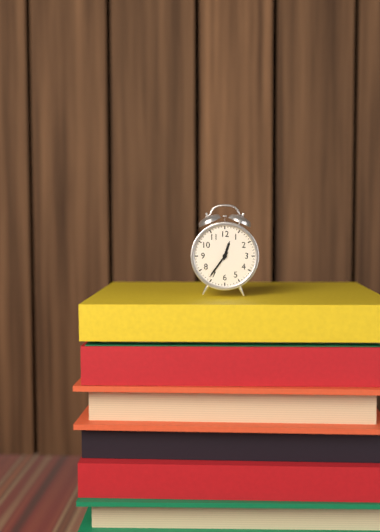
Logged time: 12,36
